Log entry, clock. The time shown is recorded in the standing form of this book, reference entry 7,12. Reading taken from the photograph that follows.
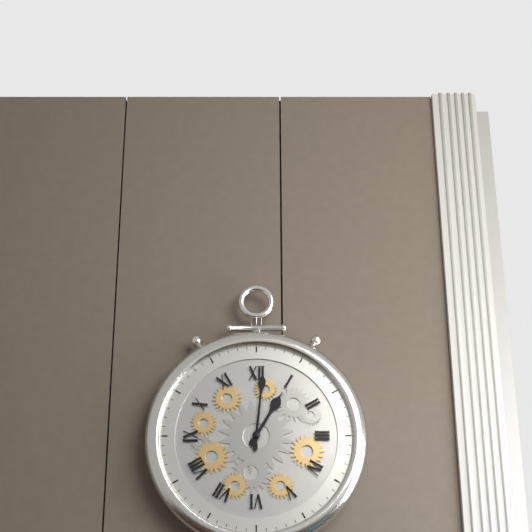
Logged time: 1,01
